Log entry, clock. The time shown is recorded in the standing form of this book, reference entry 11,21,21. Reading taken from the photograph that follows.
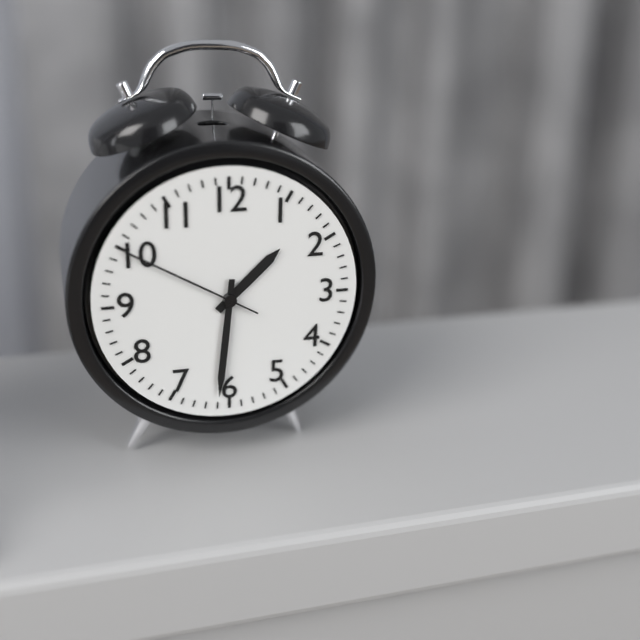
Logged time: 1,31,50
